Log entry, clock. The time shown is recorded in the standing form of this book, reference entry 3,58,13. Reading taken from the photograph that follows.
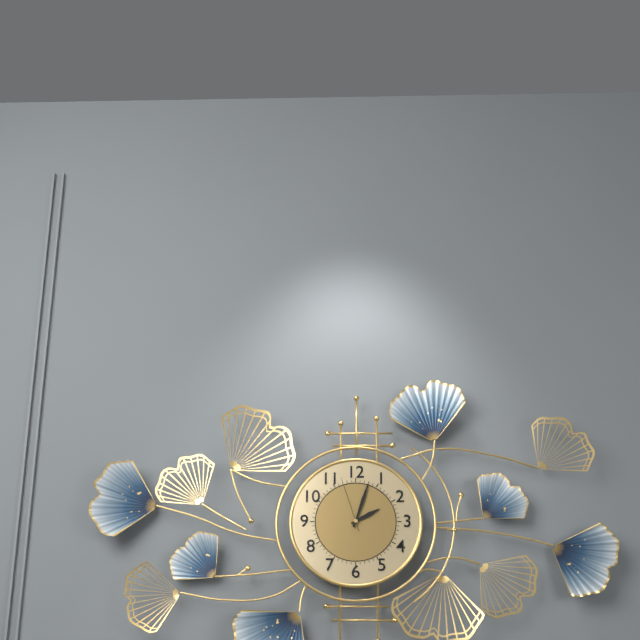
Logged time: 2,03,57
